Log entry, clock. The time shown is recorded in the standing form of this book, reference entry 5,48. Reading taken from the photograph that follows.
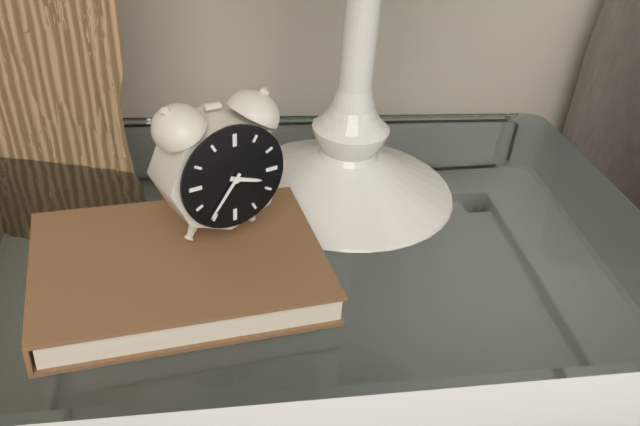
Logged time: 3,36
